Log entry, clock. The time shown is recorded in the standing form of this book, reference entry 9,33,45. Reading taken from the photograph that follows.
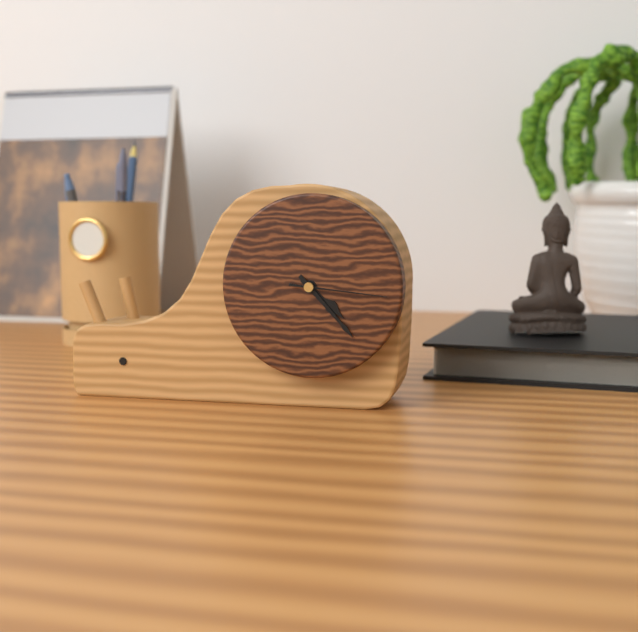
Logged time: 4,23,16
